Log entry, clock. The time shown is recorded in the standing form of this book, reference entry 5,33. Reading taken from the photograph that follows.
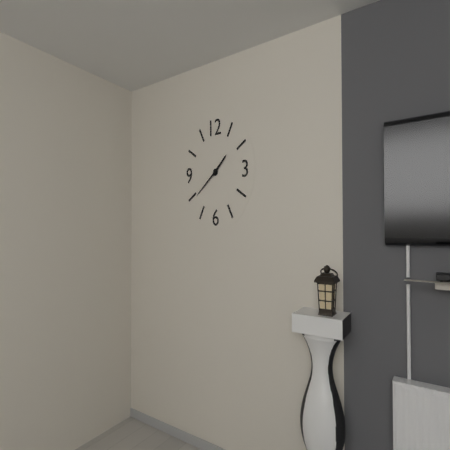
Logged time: 1,39
